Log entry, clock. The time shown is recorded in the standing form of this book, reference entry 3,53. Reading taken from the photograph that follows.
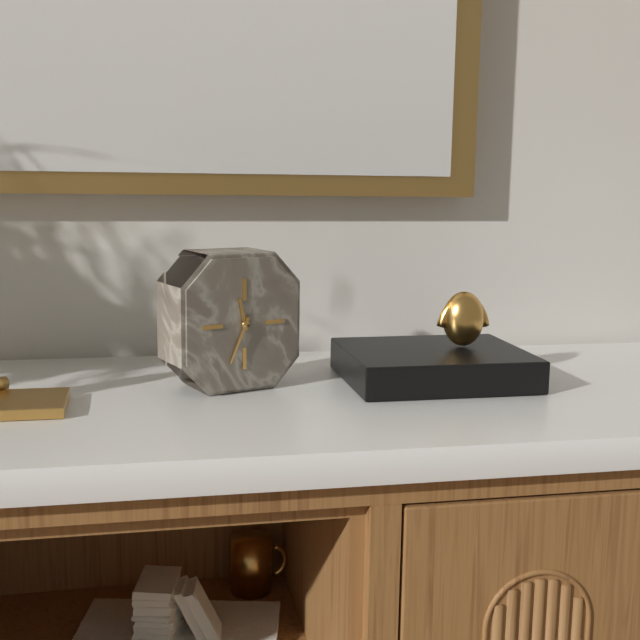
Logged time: 11,34
